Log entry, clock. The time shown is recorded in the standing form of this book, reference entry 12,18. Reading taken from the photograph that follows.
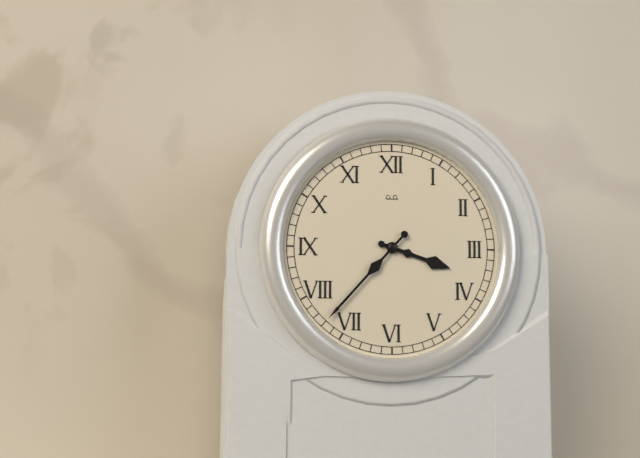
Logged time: 3,37
